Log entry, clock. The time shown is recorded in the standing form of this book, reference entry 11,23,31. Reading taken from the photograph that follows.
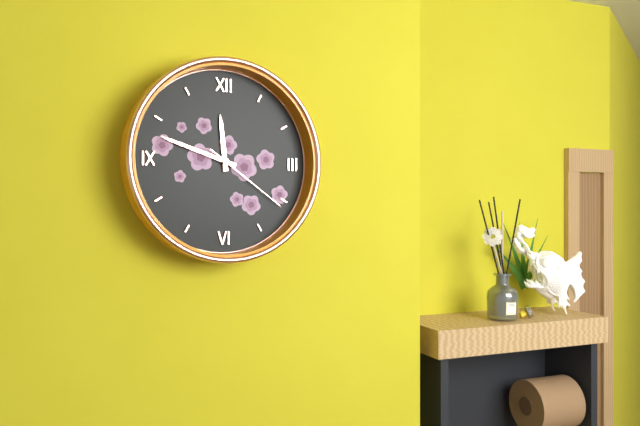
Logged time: 11,48,21
